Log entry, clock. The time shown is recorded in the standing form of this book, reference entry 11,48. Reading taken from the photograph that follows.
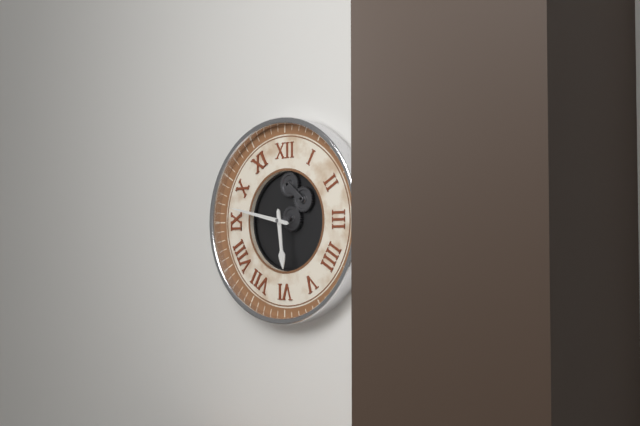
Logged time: 5,47
